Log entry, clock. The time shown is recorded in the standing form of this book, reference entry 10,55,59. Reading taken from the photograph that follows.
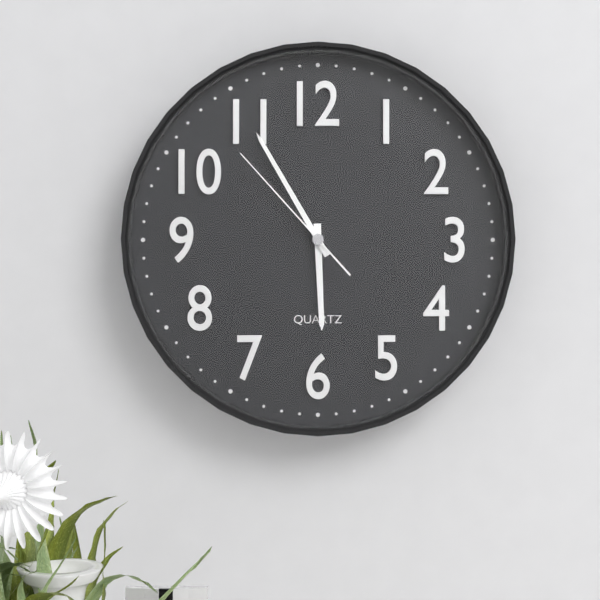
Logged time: 5,55,53
